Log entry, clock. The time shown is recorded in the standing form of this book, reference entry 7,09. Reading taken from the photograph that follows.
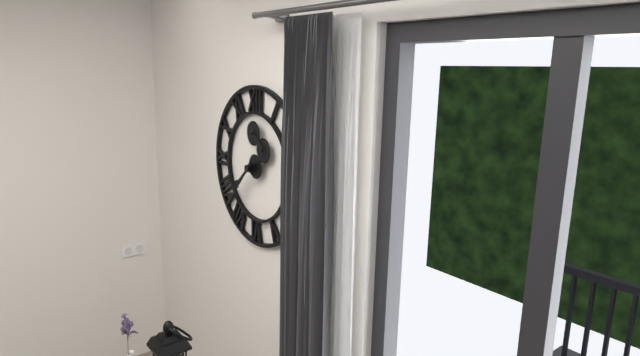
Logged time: 7,37
